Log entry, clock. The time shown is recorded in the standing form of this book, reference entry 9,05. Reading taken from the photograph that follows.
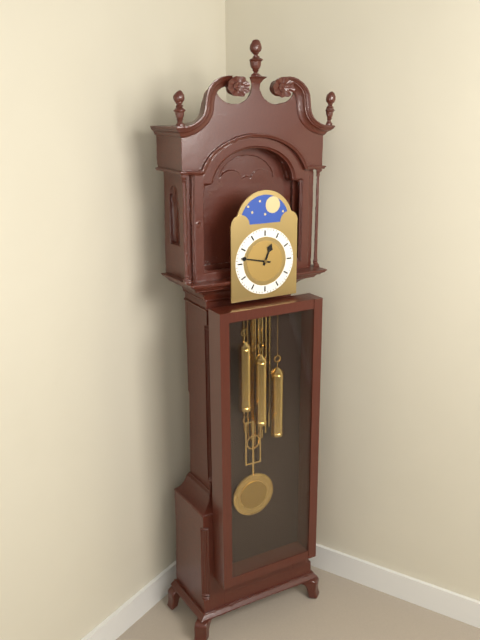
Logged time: 12,47
